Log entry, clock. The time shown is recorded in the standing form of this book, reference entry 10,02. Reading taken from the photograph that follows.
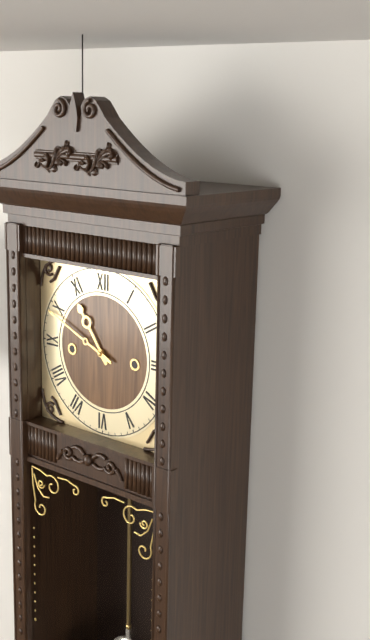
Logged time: 10,49
